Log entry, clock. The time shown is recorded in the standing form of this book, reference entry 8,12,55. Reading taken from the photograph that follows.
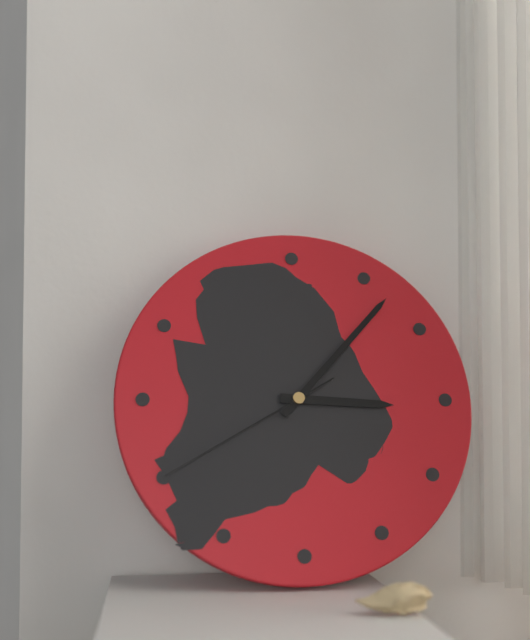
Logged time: 3,07,40
